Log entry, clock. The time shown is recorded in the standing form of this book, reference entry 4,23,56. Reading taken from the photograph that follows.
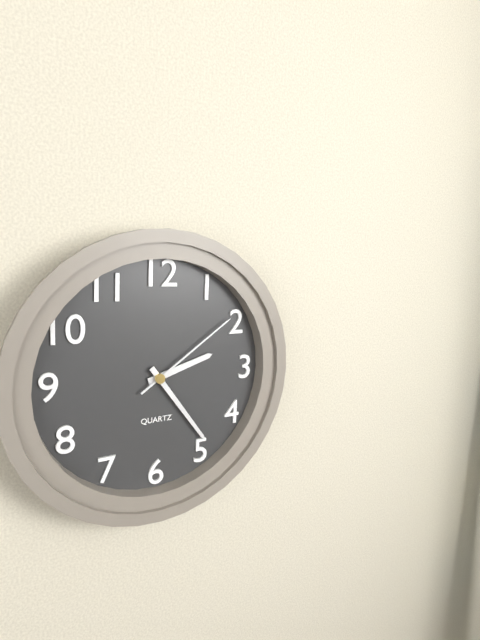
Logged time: 2,24,09
